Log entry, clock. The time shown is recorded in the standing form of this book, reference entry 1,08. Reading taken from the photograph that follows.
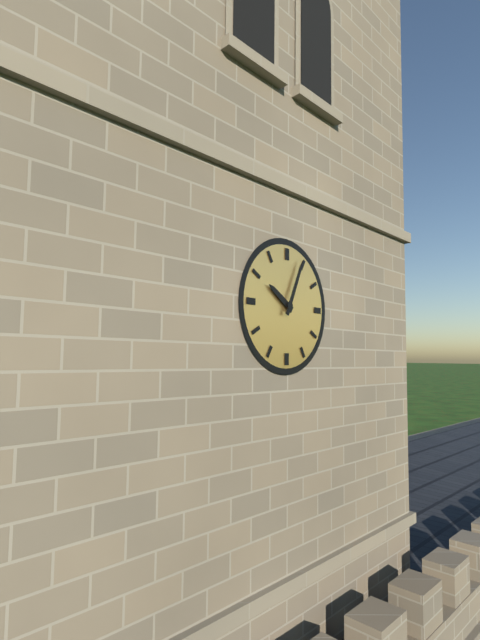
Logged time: 10,04
